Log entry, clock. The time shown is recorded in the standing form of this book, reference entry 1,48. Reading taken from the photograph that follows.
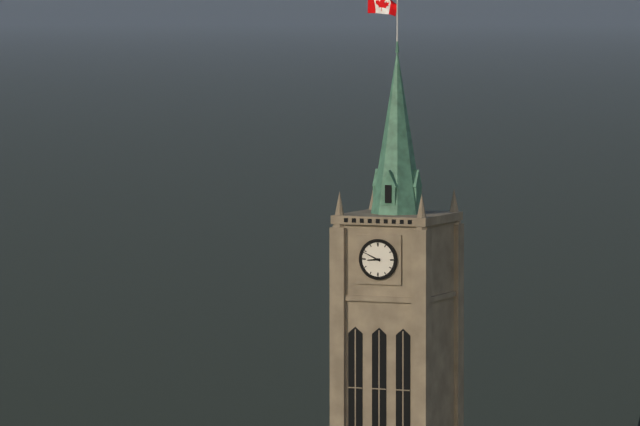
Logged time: 8,49
